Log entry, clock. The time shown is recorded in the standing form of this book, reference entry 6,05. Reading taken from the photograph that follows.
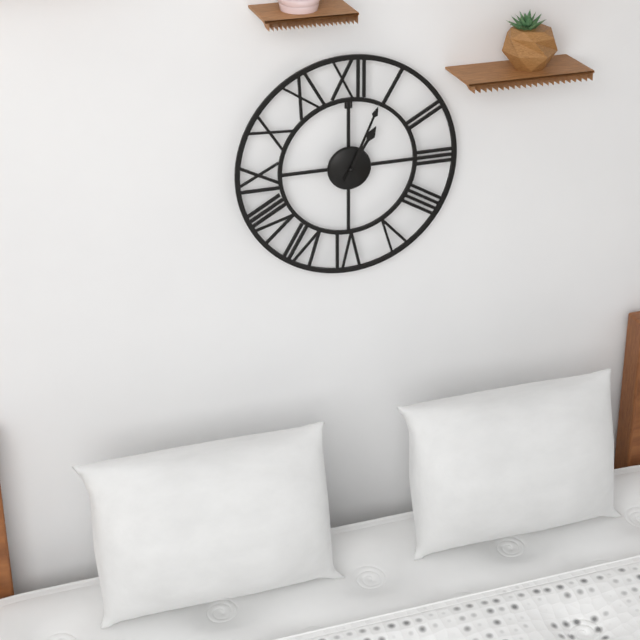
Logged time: 1,04
